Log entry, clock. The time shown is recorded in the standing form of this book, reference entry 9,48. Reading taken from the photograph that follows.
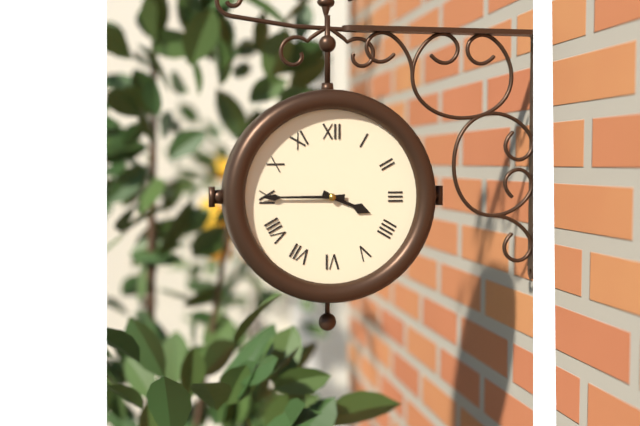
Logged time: 3,45
